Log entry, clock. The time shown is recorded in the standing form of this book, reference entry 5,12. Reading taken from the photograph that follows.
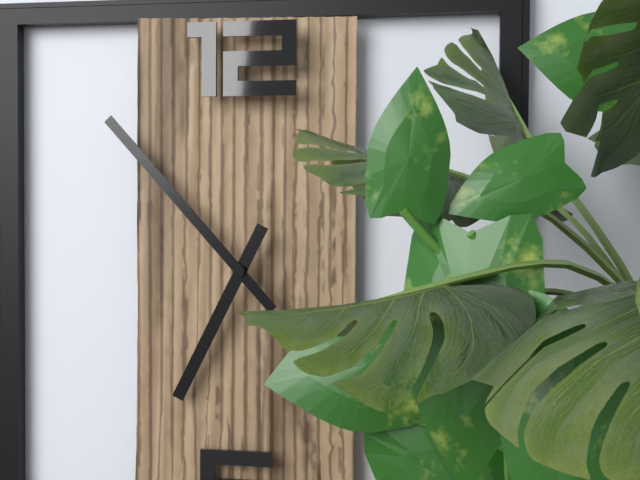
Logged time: 6,53
